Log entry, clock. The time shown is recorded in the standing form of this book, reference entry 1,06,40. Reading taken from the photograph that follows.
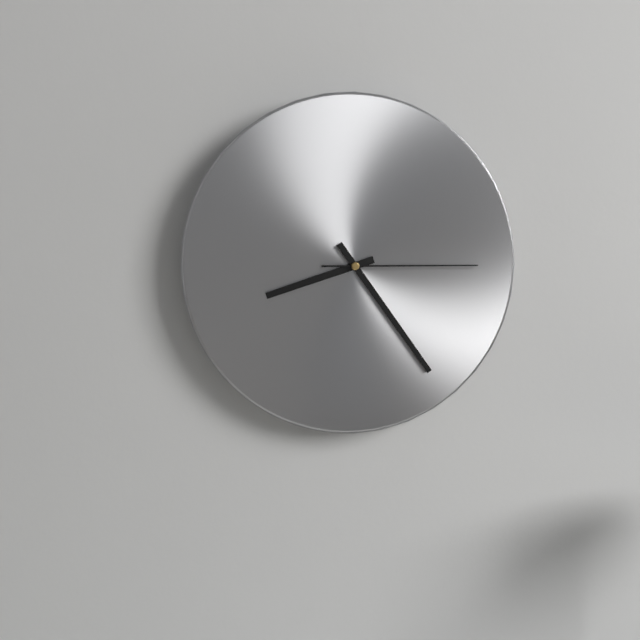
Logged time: 8,24,15
